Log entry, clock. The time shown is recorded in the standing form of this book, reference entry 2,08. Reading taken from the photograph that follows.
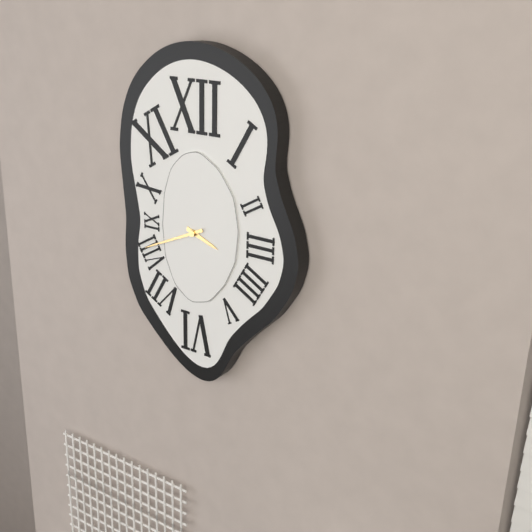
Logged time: 3,41
